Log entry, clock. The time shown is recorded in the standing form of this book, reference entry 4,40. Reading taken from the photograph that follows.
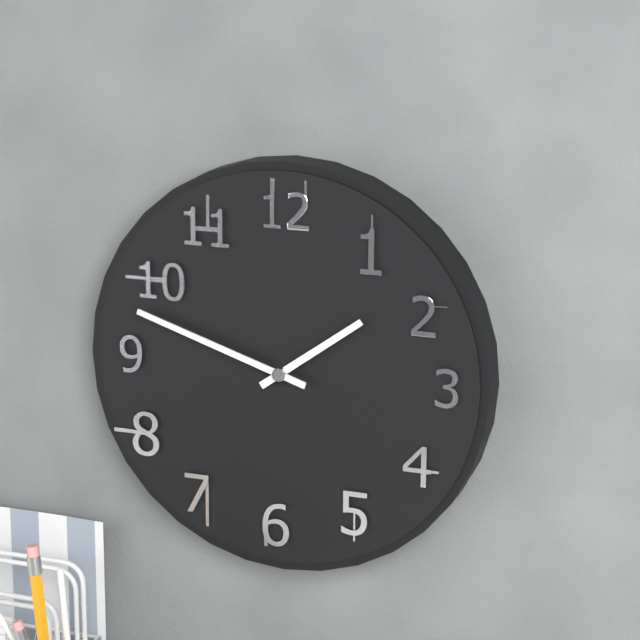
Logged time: 1,48
